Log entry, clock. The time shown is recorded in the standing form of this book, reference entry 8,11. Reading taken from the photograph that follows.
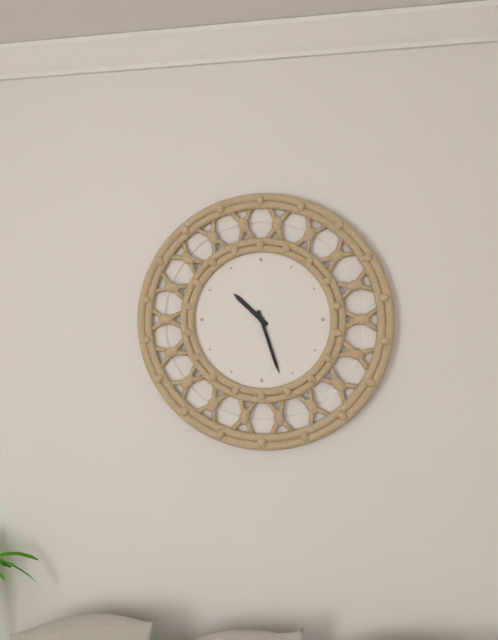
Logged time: 10,27
